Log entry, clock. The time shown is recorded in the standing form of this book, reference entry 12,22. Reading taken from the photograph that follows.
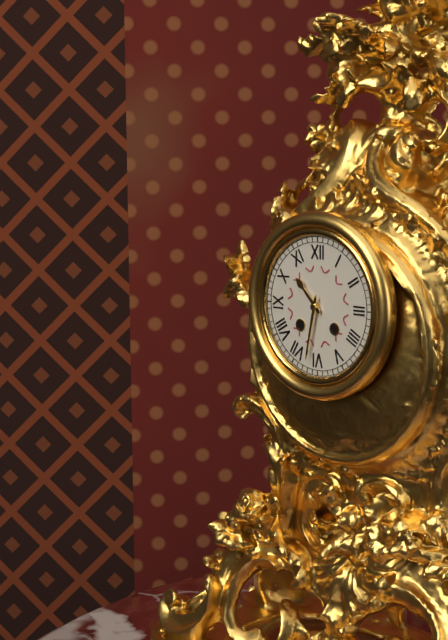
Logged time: 10,32
